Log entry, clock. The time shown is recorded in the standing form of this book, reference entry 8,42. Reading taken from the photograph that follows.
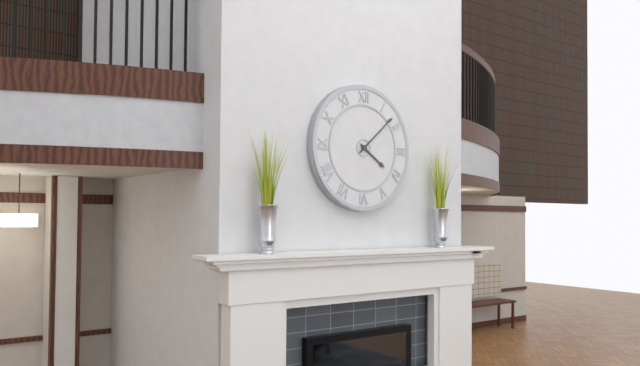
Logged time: 4,08
